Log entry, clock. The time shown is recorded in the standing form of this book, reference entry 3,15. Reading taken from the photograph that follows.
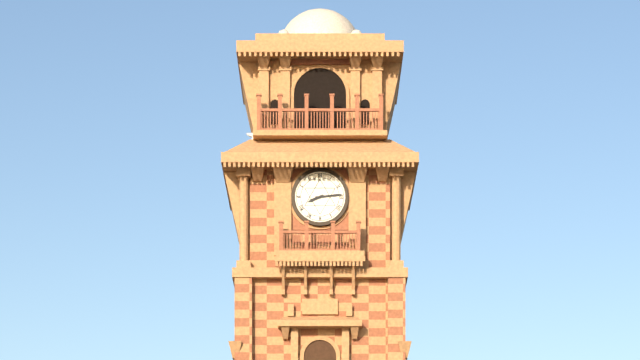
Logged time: 8,14
